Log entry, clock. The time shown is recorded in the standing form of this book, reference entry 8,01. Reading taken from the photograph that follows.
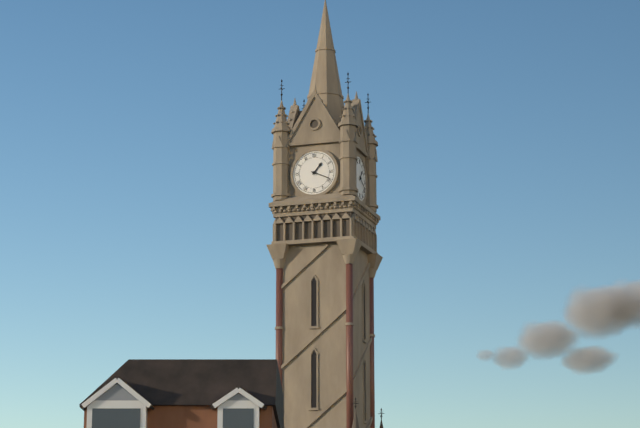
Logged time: 1,19
